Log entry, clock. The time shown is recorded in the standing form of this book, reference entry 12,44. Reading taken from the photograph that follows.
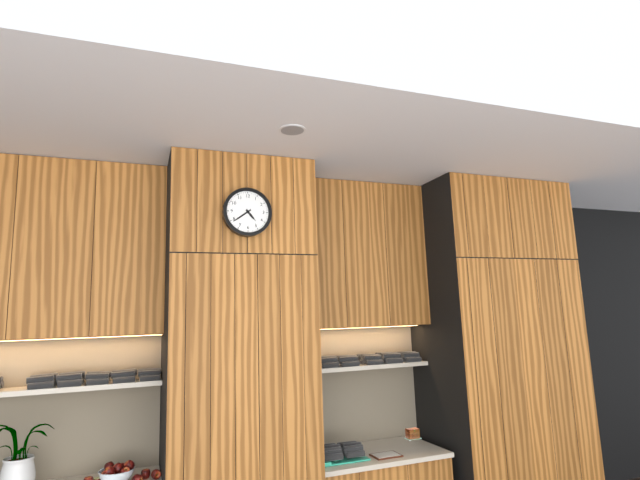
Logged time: 4,39
